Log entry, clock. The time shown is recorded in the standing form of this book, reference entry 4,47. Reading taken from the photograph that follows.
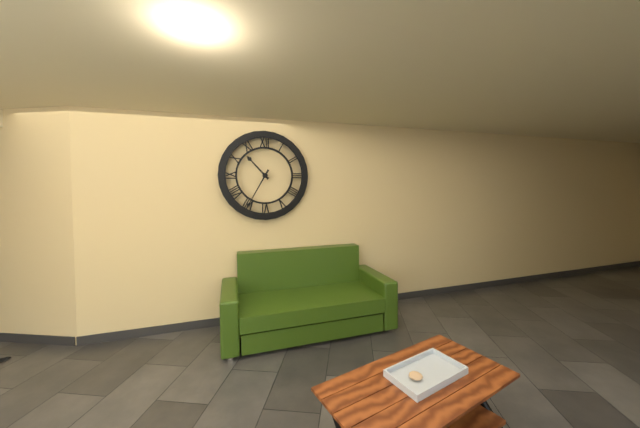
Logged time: 10,35
